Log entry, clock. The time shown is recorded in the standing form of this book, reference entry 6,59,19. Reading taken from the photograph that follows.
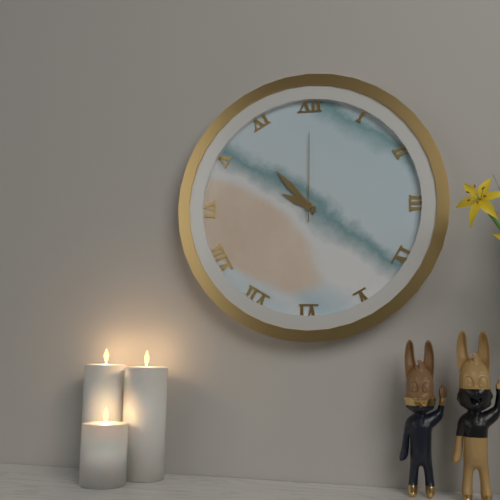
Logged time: 9,53,00
